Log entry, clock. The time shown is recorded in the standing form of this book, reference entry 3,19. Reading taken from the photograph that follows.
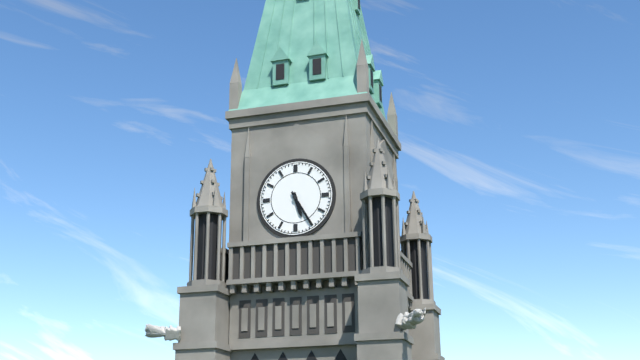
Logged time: 5,25
